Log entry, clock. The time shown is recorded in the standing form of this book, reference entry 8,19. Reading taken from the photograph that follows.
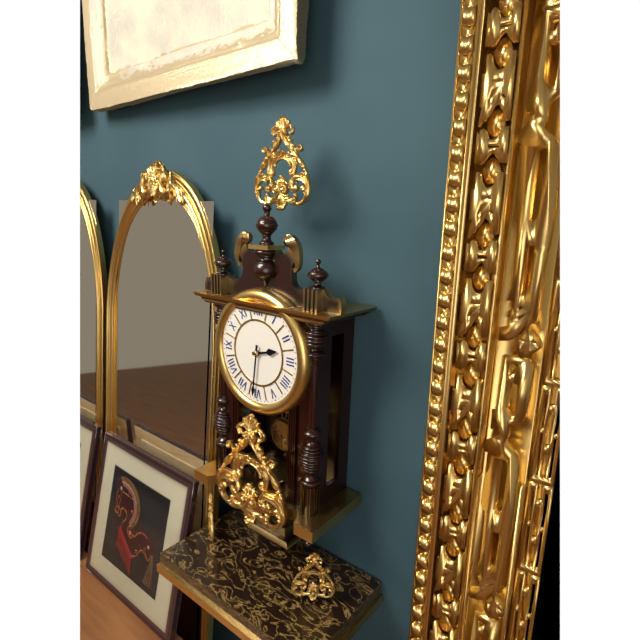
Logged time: 2,31
